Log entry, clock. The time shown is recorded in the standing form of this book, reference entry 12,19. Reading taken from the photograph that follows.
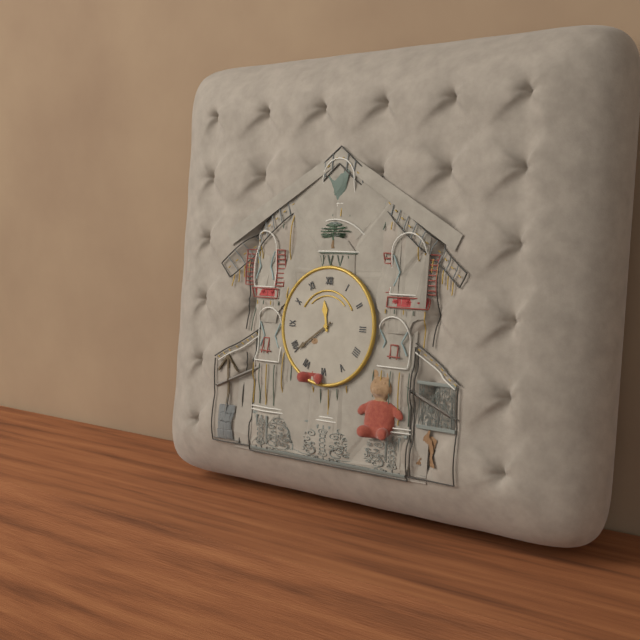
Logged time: 11,39
